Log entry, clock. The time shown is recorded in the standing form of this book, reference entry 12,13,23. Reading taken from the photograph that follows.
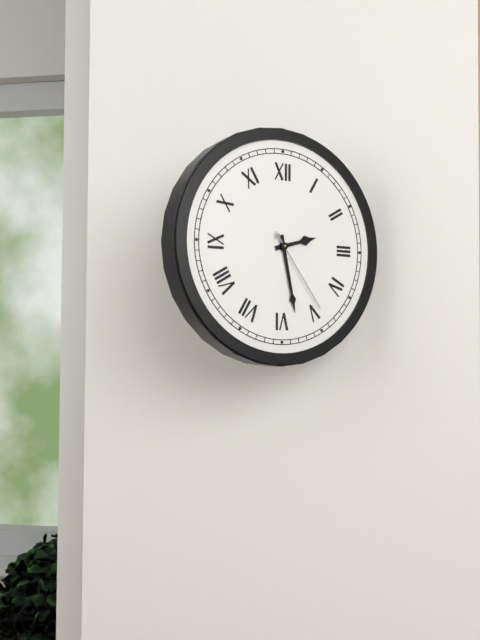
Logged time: 2,28,24
